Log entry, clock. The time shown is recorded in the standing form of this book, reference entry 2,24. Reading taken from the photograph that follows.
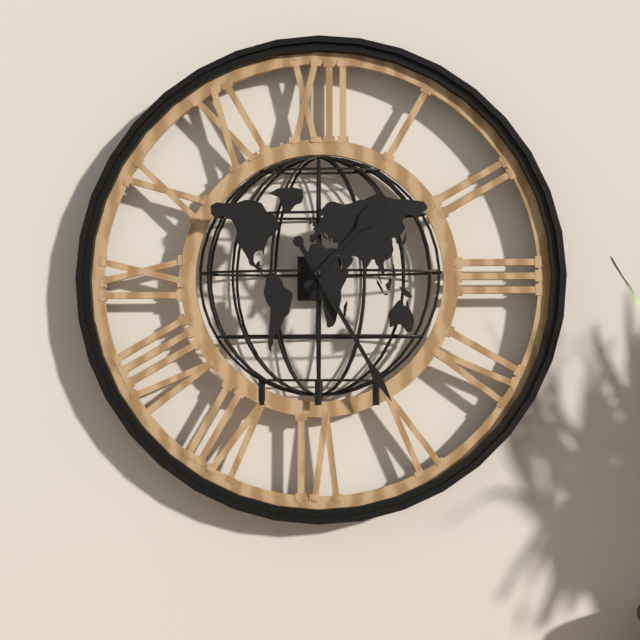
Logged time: 1,25
